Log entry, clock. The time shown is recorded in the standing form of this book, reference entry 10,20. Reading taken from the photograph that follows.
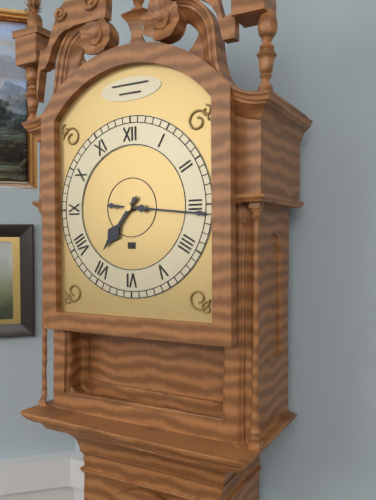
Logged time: 7,16
